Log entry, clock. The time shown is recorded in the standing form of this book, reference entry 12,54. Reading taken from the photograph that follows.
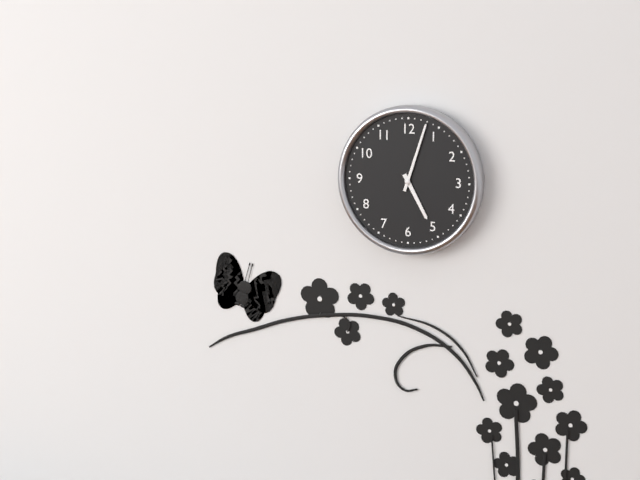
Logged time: 5,03
